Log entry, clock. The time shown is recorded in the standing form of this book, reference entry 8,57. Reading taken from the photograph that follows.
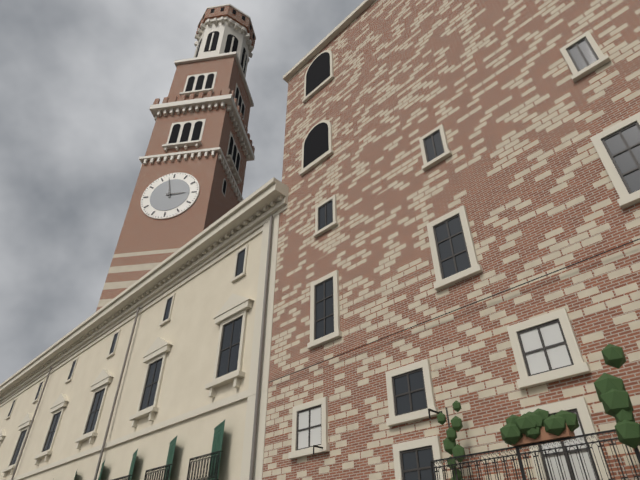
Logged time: 2,58
